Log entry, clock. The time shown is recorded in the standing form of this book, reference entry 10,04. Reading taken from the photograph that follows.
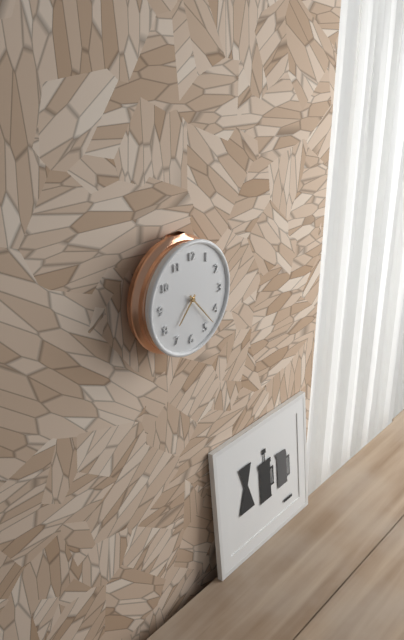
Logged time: 7,23
